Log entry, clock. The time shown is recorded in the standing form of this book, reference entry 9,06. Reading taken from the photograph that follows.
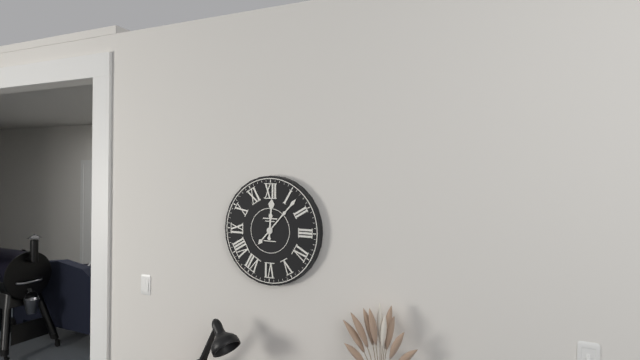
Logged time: 12,07
